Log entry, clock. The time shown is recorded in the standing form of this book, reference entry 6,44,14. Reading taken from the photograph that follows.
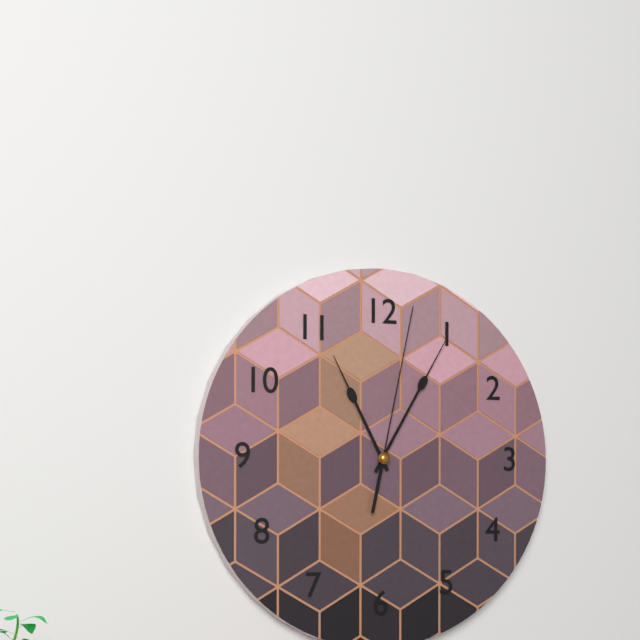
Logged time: 11,05,02
